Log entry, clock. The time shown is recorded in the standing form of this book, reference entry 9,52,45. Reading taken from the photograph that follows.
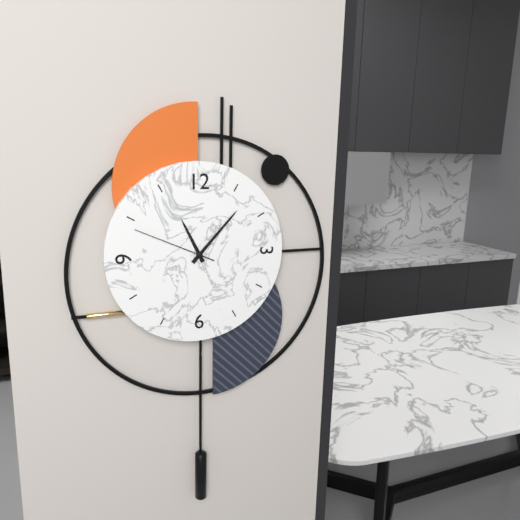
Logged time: 11,07,49
